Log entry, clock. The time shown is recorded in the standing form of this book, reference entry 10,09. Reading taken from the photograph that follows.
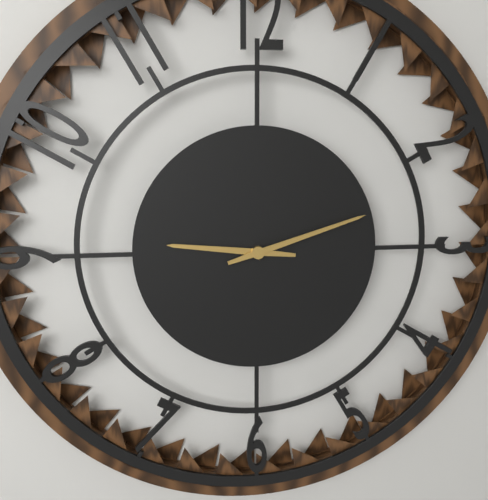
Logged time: 9,12
